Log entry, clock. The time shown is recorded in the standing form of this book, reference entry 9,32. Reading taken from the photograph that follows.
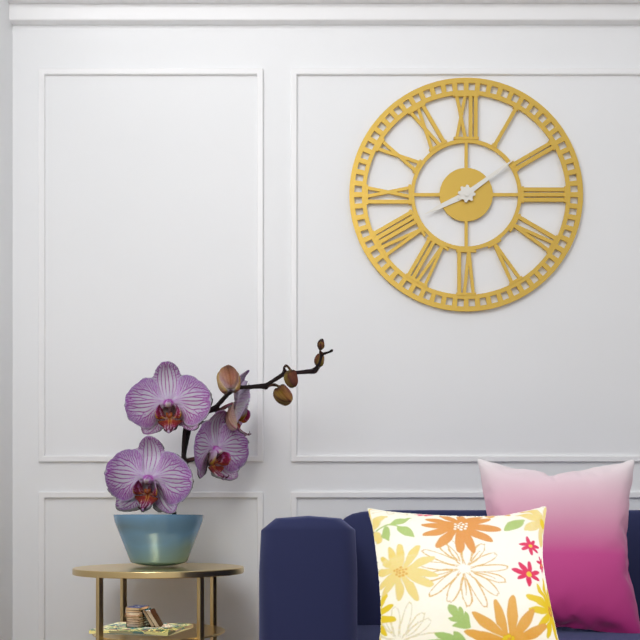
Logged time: 8,09
